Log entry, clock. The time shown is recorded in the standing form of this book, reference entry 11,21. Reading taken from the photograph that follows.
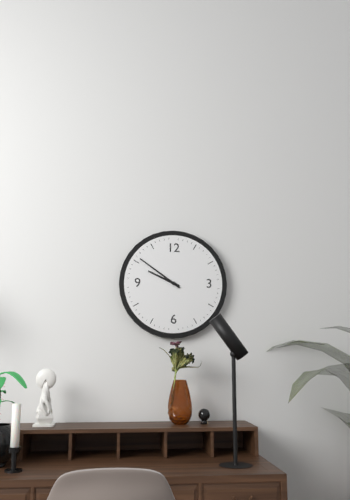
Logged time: 9,51
